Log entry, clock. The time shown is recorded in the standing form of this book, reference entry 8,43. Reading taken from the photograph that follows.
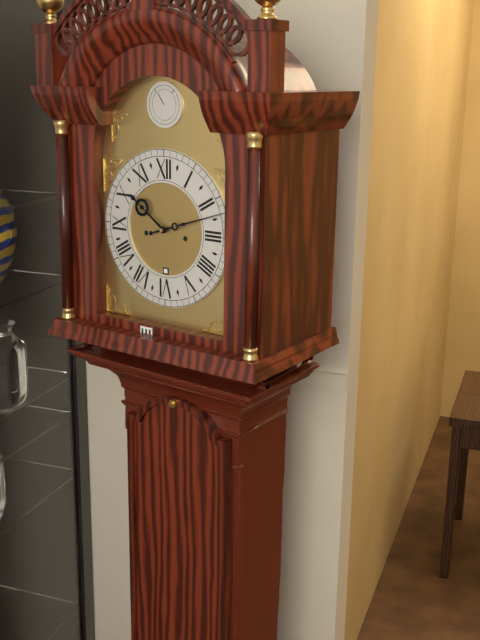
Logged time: 10,12
